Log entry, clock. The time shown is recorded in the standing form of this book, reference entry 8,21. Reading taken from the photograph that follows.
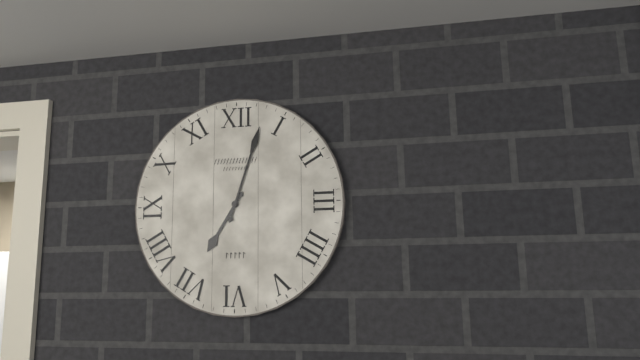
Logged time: 7,03
